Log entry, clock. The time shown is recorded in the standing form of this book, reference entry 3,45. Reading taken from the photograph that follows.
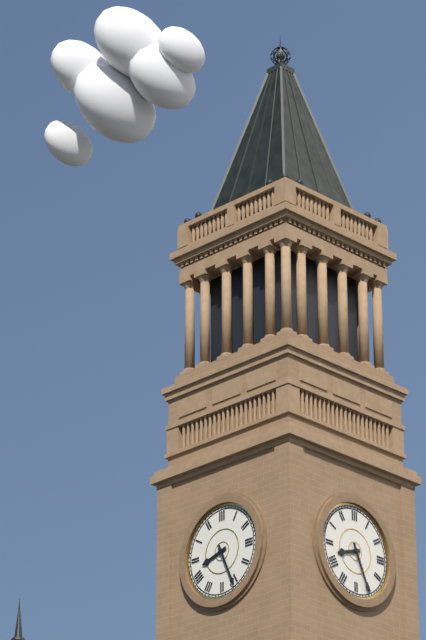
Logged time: 8,26
